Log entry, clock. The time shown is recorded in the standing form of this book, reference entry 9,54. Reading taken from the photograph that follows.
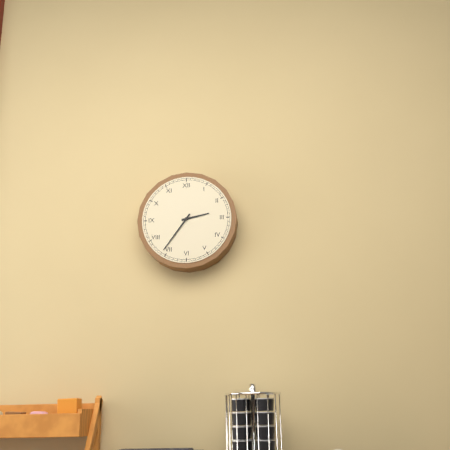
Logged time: 2,36
